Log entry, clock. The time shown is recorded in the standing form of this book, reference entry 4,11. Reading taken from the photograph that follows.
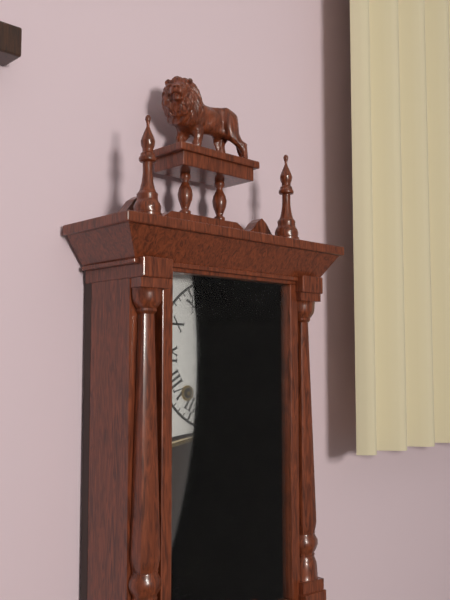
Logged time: 5,17
